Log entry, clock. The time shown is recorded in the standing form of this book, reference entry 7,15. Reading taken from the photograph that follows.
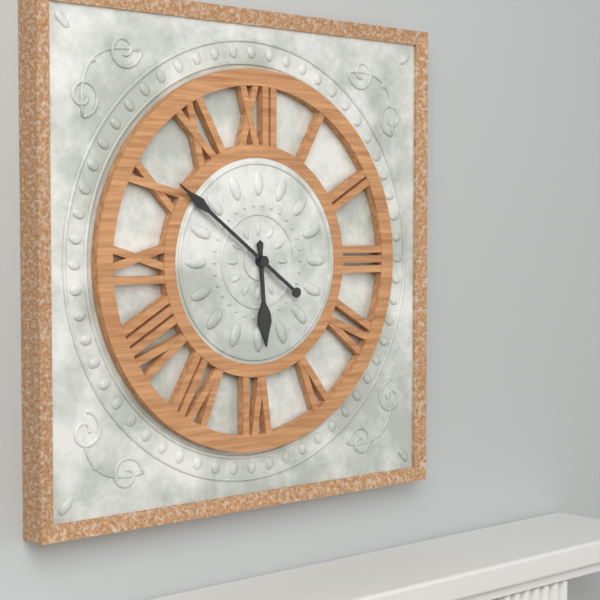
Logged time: 5,51
